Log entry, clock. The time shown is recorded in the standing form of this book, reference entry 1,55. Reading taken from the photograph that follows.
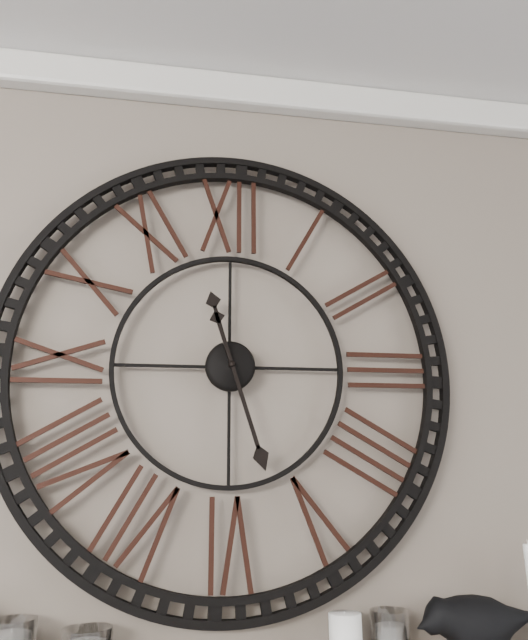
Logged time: 11,27
